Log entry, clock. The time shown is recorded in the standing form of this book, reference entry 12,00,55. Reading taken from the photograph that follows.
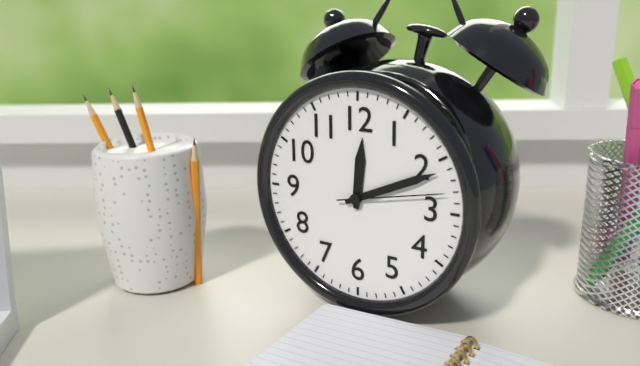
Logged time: 12,11,13
